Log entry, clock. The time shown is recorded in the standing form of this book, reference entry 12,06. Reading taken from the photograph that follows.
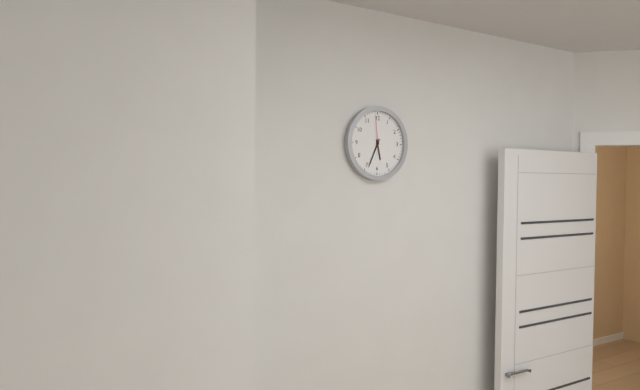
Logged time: 5,34
